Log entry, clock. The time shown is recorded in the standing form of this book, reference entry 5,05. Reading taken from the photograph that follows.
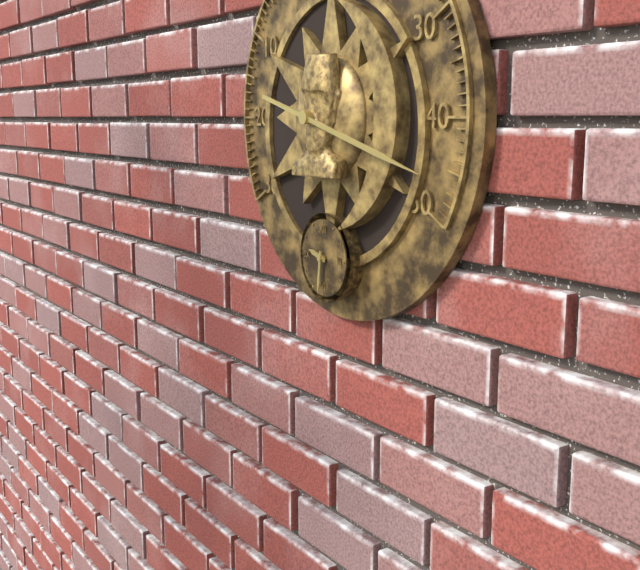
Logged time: 9,31
